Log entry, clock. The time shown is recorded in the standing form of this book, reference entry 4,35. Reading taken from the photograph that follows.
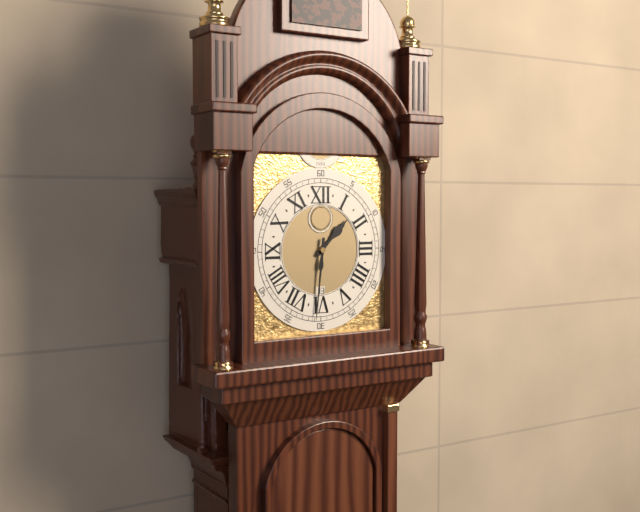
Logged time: 1,31
